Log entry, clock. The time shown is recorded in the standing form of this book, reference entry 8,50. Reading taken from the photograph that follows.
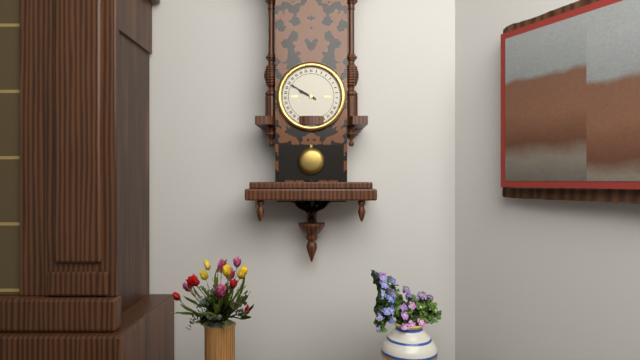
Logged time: 9,50
